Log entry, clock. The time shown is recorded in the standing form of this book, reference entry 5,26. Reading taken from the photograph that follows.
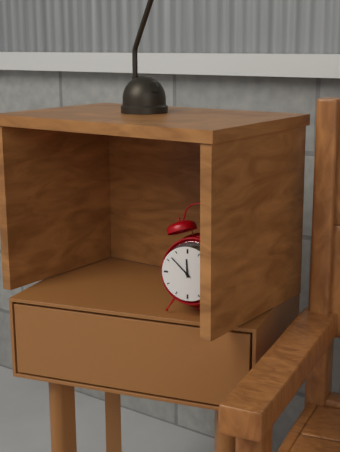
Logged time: 11,52
